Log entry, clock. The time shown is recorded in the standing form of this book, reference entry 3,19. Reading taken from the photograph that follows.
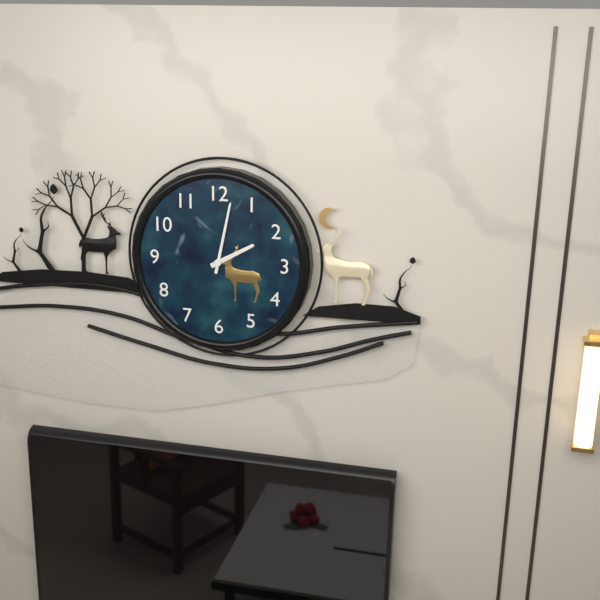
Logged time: 2,02
